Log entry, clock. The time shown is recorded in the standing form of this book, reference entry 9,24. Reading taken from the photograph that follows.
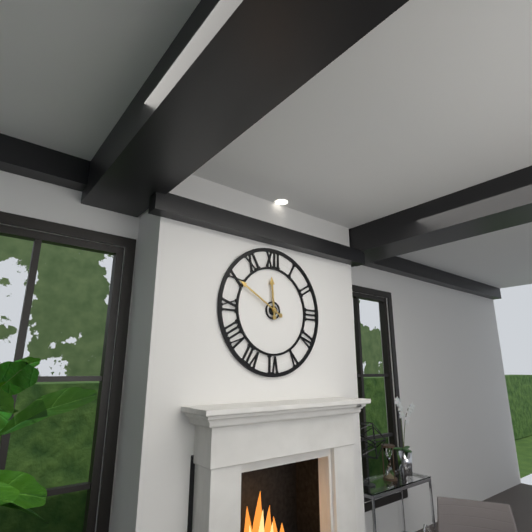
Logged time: 11,50
